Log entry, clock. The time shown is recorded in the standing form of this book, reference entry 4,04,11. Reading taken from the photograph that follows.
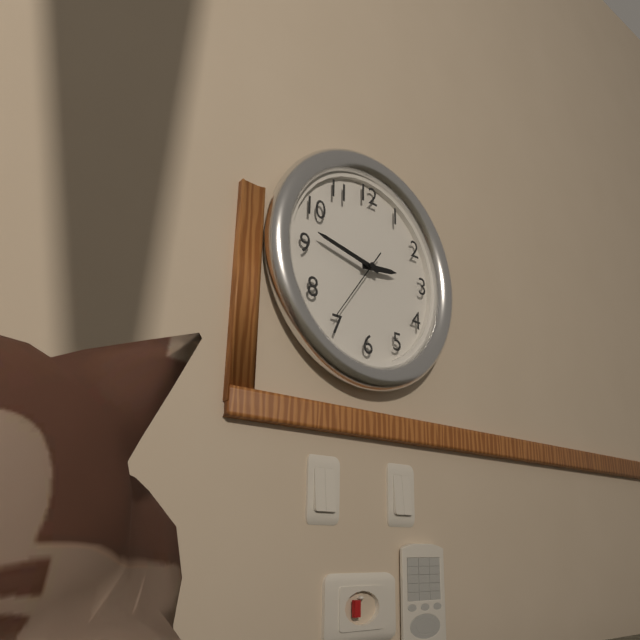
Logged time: 2,47,36
